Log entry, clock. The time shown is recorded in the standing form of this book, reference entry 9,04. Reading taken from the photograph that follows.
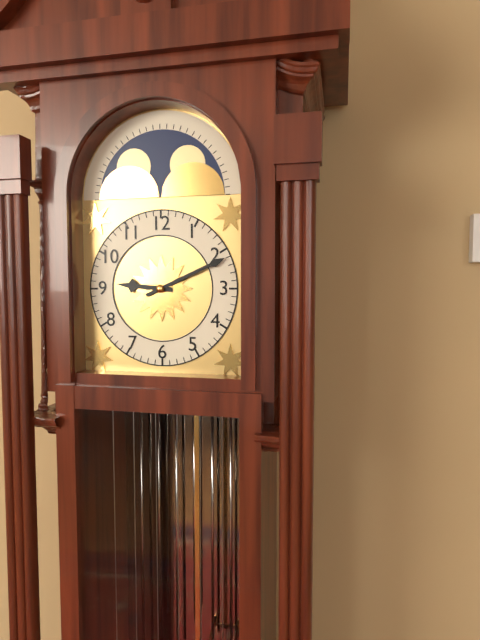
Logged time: 9,11
